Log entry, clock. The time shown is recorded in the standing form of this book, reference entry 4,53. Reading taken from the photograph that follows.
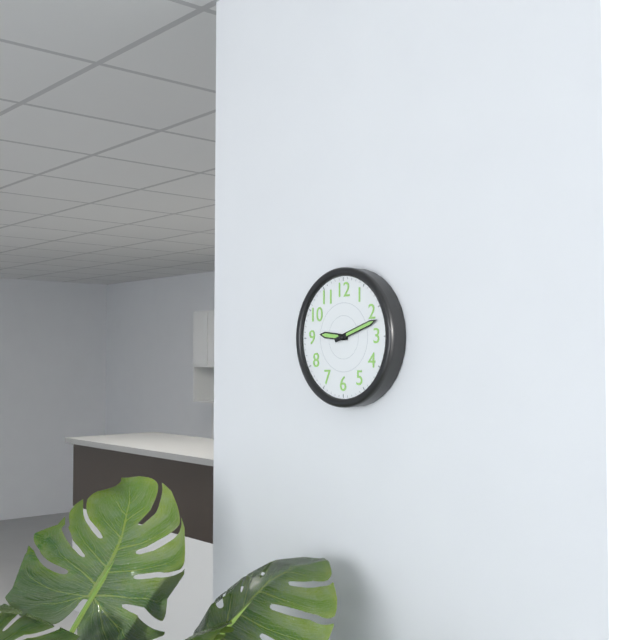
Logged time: 9,12
